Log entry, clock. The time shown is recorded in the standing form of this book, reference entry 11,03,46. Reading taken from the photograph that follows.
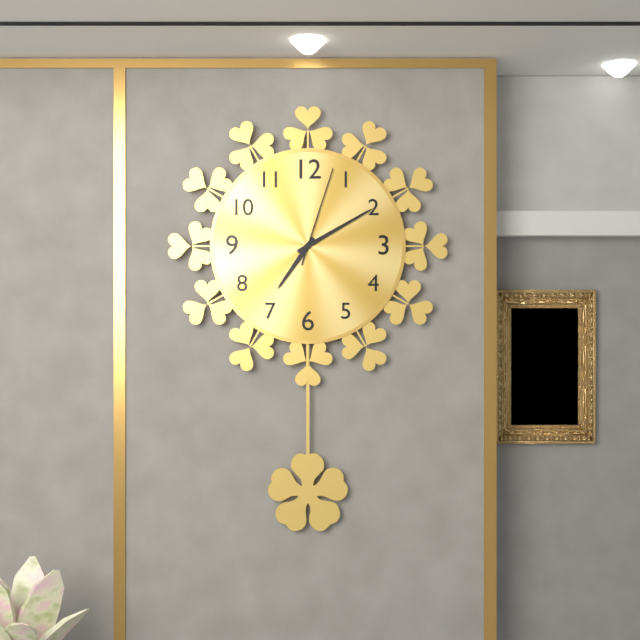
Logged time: 7,10,03
